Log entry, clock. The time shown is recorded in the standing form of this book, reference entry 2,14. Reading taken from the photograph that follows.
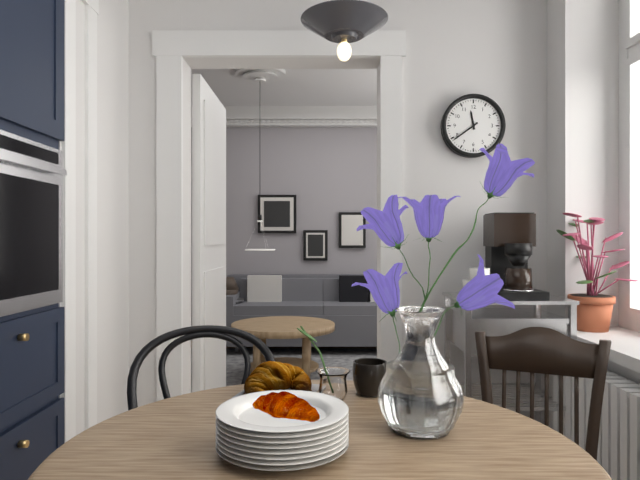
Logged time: 11,39
